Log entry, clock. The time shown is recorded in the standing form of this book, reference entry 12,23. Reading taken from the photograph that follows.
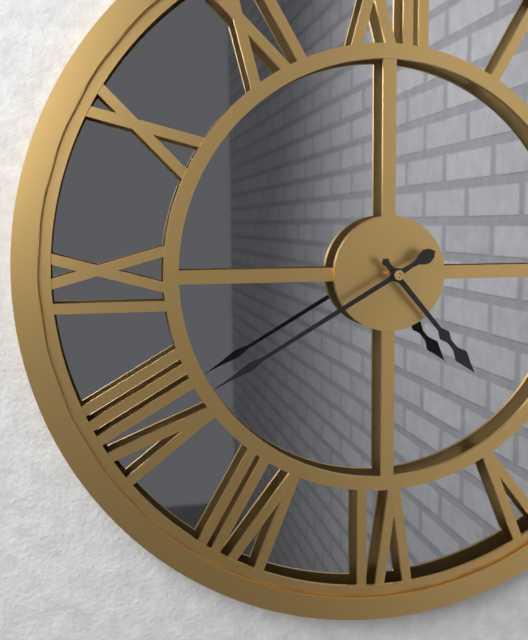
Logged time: 4,40
